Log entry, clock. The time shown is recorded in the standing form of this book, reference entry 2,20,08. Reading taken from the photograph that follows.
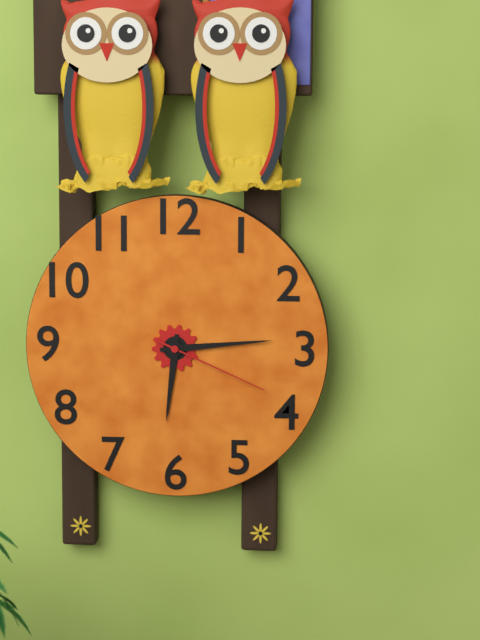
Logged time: 6,14,19
